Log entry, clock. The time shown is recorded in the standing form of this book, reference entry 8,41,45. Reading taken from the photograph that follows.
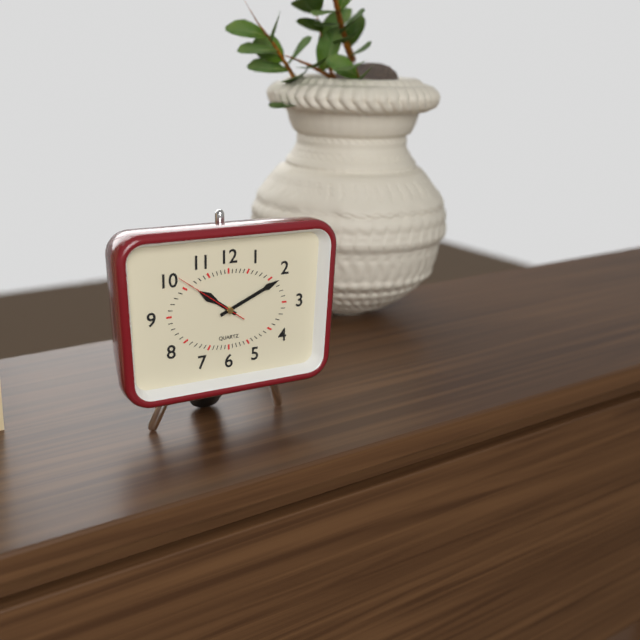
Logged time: 10,11,51
